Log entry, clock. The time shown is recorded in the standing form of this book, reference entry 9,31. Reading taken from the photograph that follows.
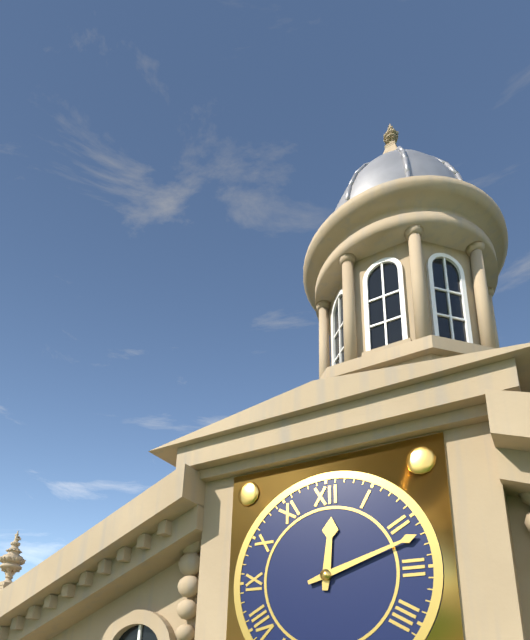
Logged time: 12,12
